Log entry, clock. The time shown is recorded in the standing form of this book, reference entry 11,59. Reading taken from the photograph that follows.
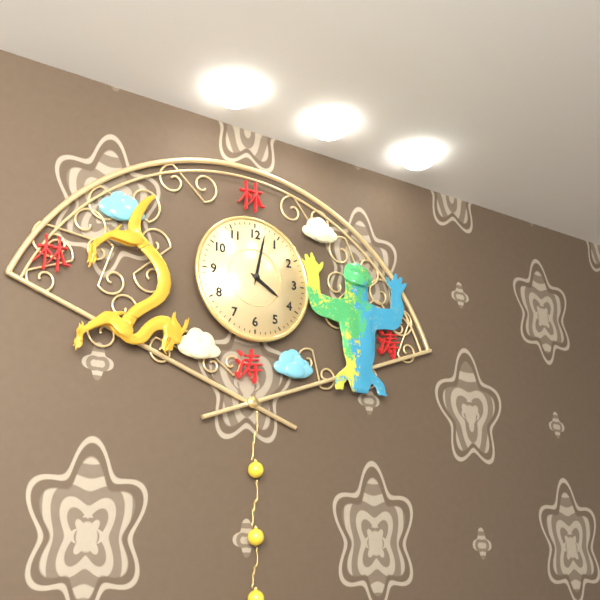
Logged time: 4,02
